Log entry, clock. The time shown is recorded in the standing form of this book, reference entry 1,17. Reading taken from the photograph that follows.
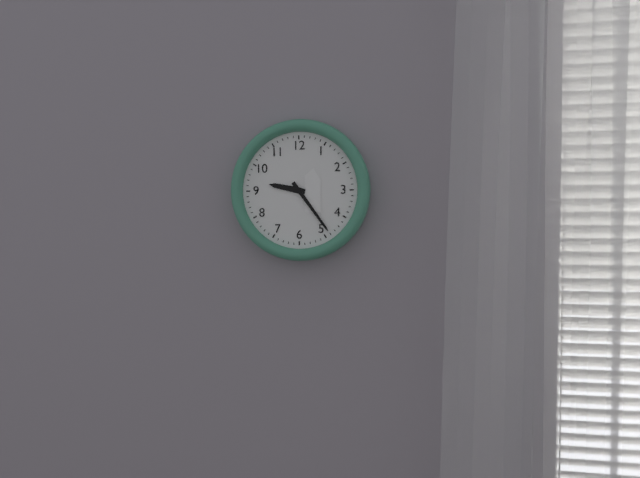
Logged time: 9,24
